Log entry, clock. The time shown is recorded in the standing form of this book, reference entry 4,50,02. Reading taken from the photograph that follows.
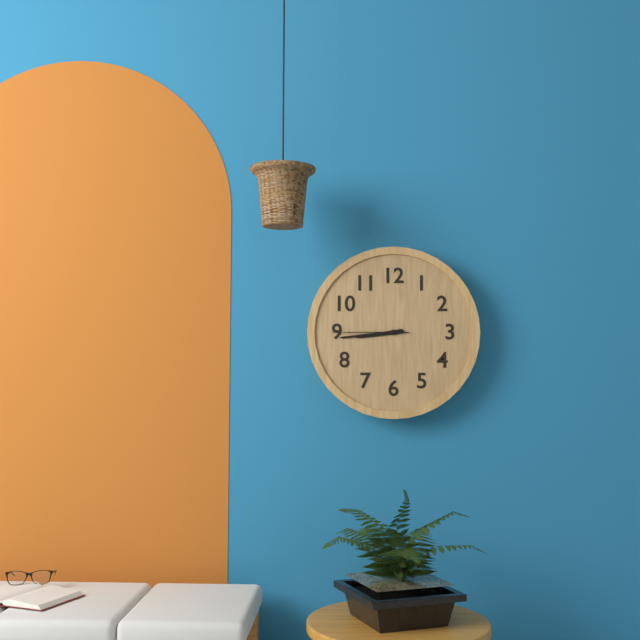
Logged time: 8,44,45
